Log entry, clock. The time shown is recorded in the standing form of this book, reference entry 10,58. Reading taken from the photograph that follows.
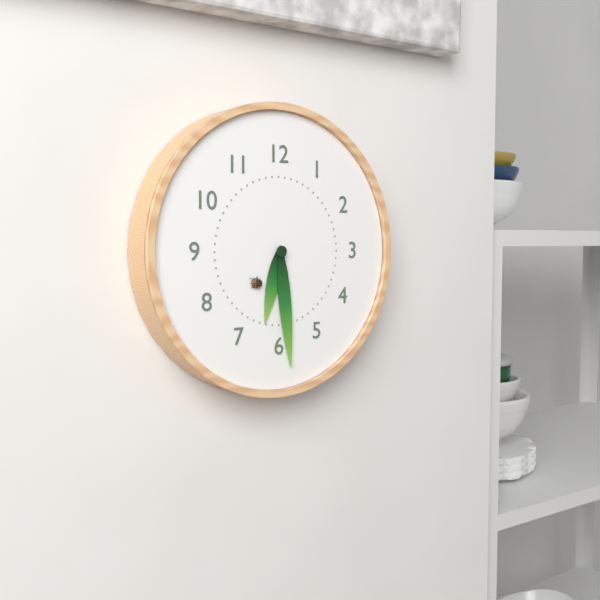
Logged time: 6,29
